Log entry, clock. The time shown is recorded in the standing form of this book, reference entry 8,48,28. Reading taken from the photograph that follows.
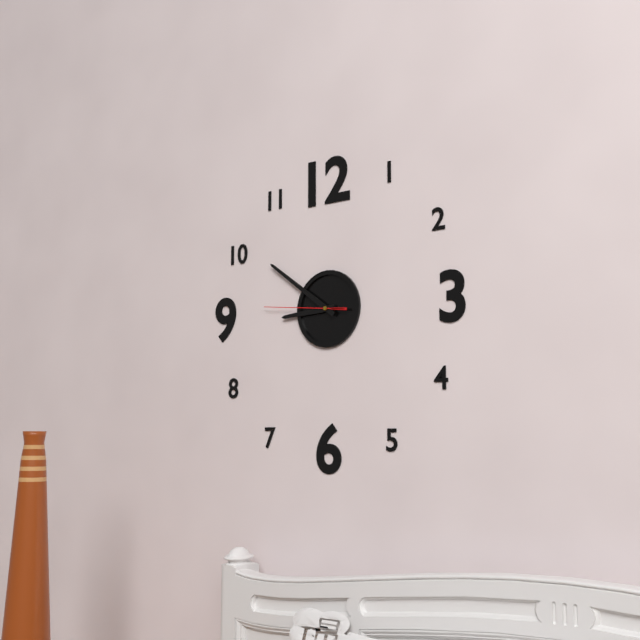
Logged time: 8,51,46
